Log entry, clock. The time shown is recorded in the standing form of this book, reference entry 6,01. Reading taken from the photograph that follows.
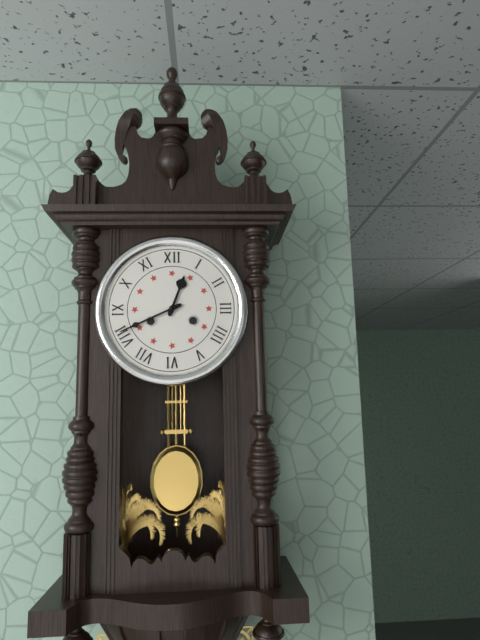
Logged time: 12,41
